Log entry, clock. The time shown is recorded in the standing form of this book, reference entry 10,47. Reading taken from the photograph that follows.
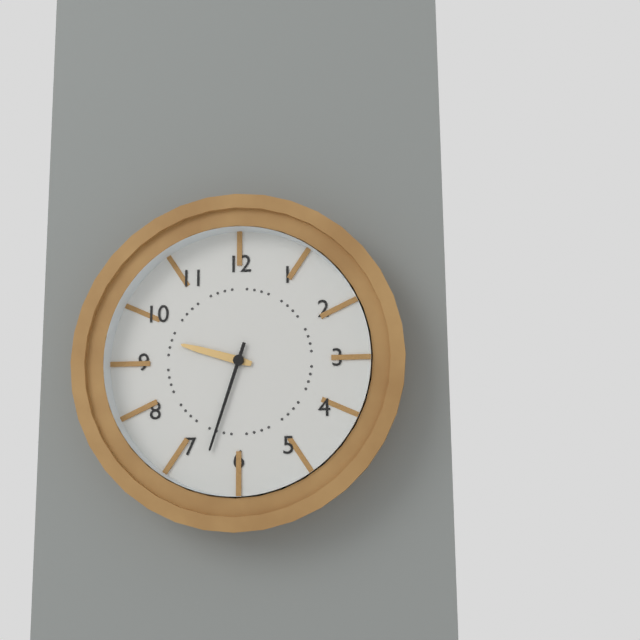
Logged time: 9,33
